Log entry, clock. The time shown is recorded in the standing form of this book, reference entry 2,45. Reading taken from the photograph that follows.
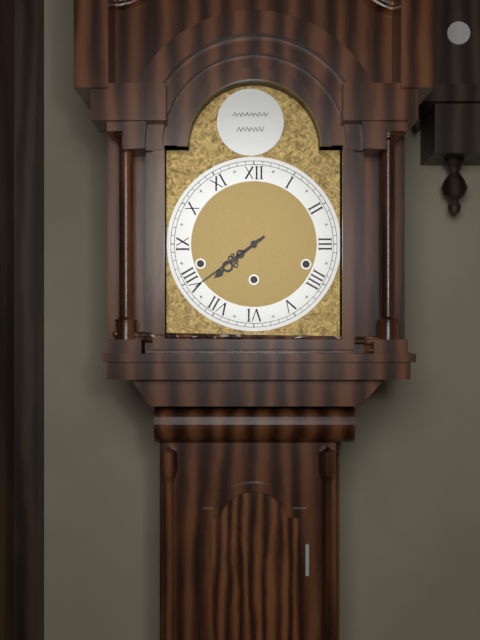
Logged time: 7,39
